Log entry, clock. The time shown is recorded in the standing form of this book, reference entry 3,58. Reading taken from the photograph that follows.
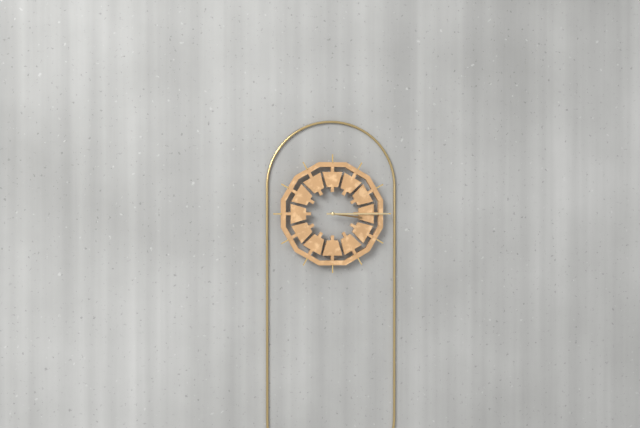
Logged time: 3,15
